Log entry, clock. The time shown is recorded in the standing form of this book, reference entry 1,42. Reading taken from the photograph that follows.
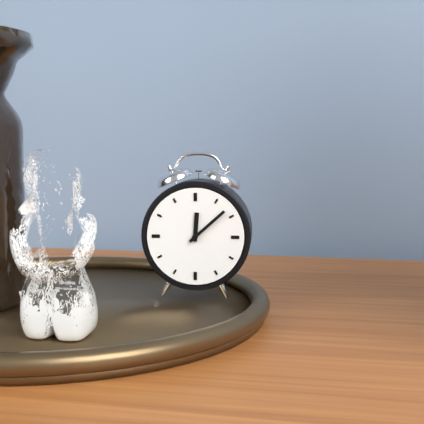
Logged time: 12,08
